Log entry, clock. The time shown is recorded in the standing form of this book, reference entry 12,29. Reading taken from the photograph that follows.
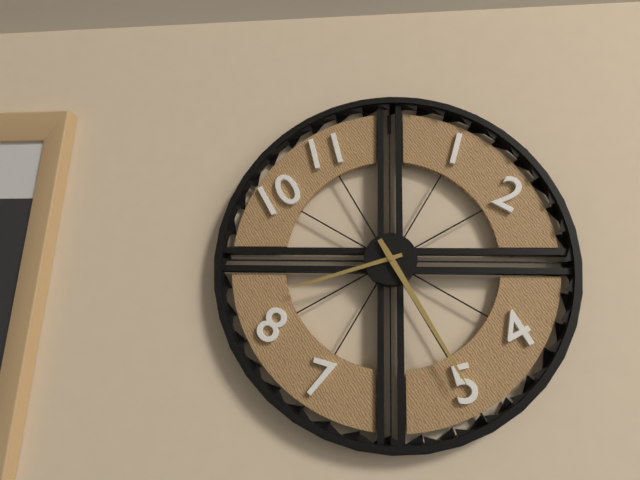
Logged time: 8,25
